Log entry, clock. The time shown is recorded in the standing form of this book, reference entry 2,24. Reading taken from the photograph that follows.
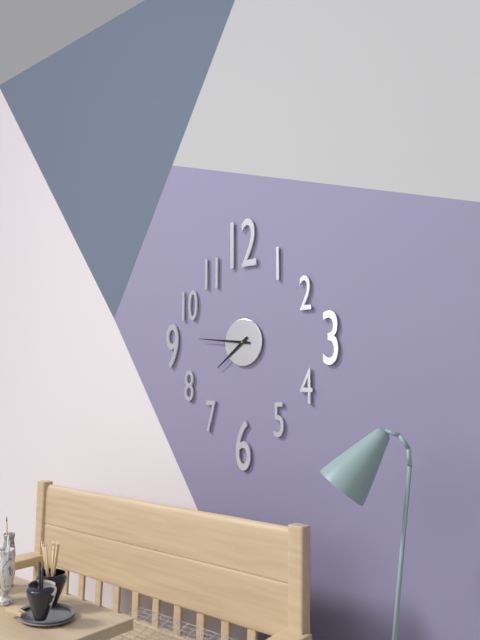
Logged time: 7,46
